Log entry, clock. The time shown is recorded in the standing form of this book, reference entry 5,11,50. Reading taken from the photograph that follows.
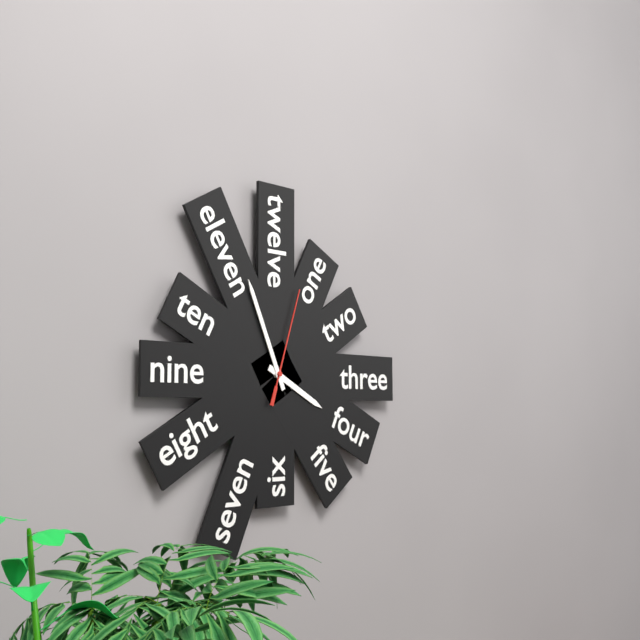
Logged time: 3,56,03
